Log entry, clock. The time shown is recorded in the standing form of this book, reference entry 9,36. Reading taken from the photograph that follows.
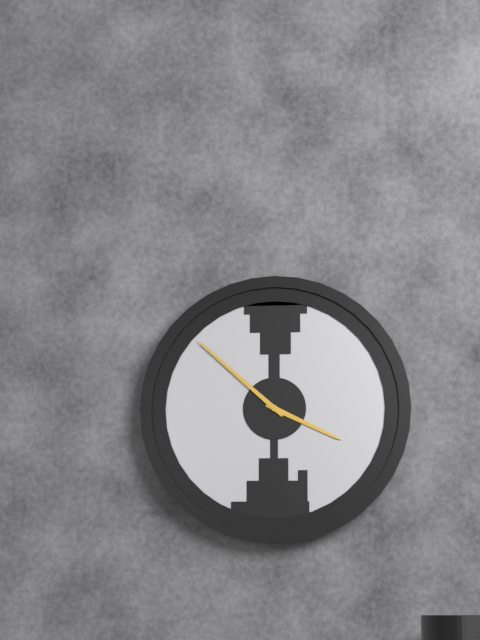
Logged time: 3,52
